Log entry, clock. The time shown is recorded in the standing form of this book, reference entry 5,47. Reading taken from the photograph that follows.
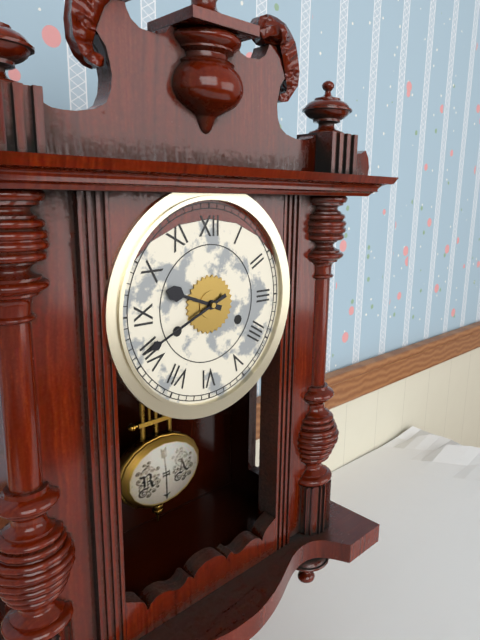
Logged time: 9,41
